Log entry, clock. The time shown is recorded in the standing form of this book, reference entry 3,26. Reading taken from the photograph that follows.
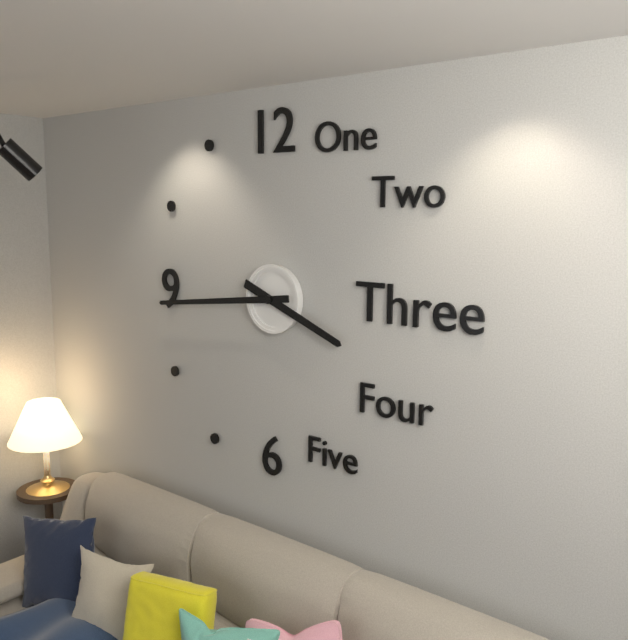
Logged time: 3,44
